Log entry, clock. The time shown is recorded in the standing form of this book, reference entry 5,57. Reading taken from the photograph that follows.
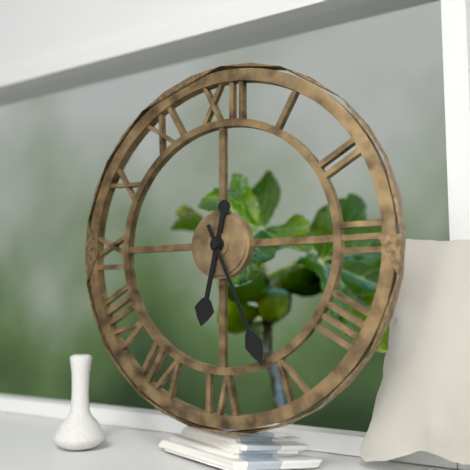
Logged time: 6,26
